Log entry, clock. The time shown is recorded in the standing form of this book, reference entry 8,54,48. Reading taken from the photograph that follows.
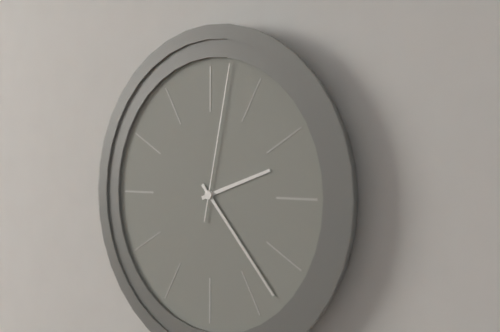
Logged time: 2,23,02
